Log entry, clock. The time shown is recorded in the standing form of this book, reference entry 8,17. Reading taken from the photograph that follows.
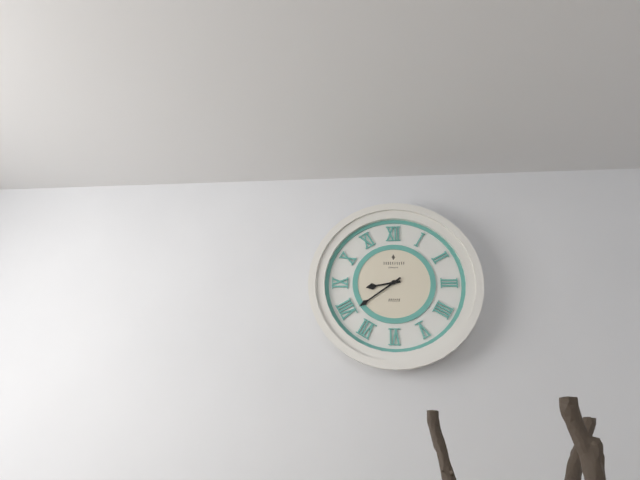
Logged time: 8,39
